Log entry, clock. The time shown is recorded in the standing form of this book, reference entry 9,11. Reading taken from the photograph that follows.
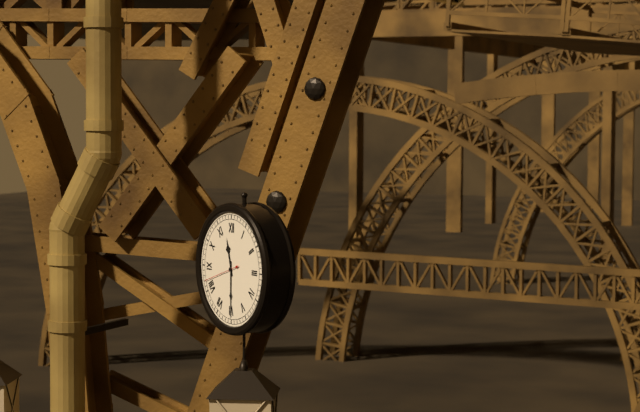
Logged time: 11,30
